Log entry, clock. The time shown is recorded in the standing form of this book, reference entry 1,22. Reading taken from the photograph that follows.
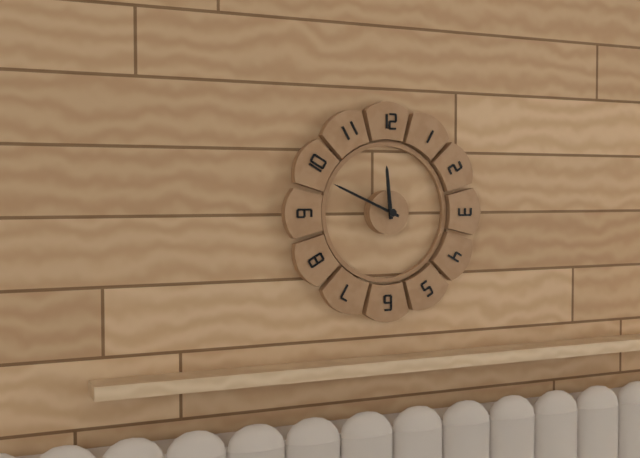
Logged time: 11,49
